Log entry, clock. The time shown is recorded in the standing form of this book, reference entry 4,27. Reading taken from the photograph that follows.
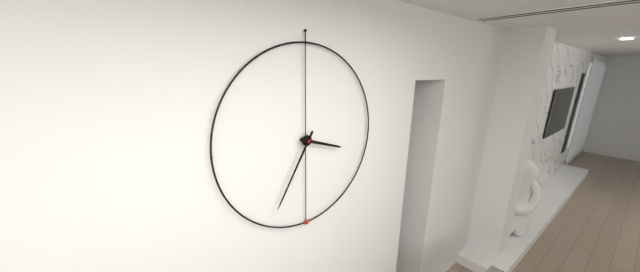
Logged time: 3,35
